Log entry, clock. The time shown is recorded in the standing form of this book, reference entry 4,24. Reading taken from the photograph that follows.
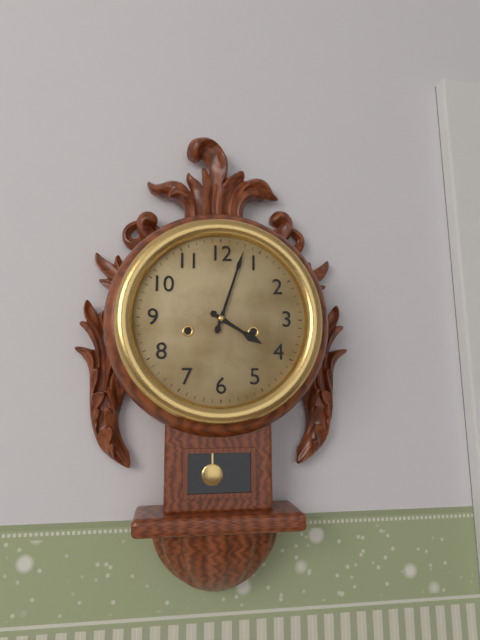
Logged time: 4,03
